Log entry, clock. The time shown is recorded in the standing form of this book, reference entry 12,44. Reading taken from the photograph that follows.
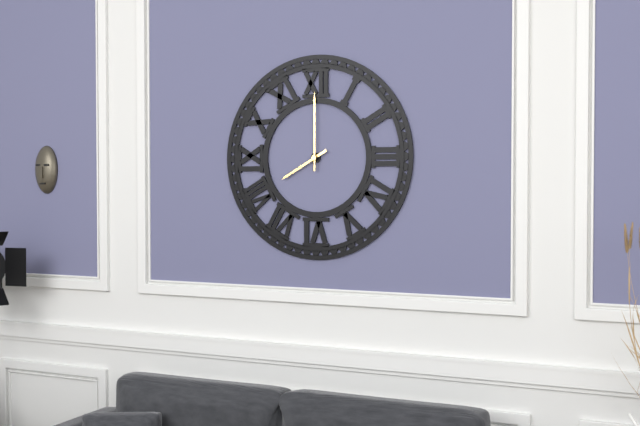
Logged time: 8,00
